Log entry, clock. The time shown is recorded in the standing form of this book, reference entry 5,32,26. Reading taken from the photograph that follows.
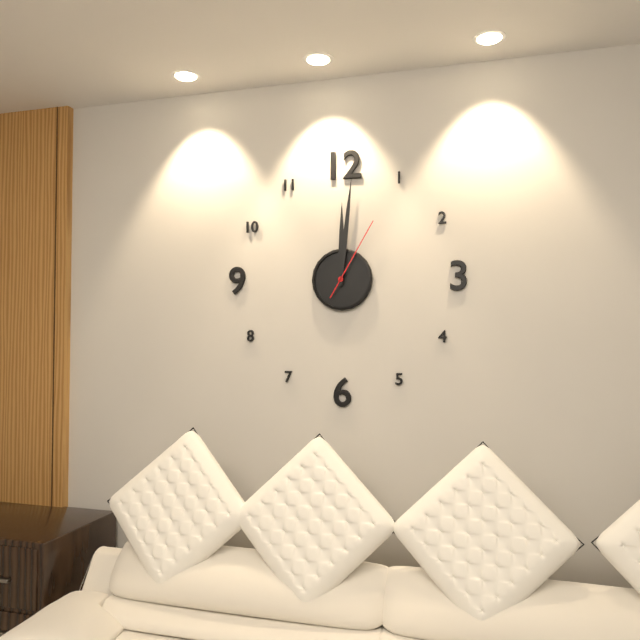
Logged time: 12,01,05
